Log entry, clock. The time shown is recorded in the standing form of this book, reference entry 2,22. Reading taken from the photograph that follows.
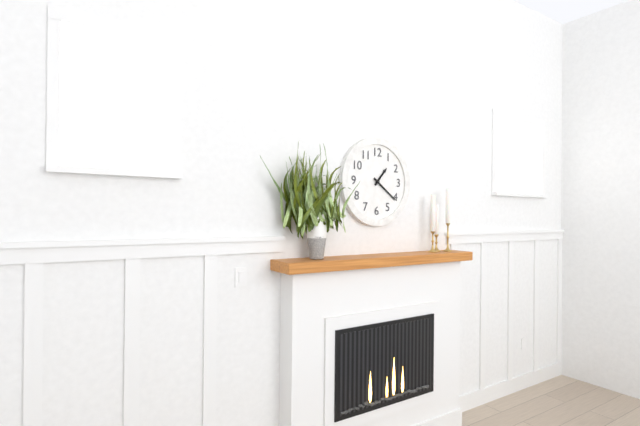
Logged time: 1,21
